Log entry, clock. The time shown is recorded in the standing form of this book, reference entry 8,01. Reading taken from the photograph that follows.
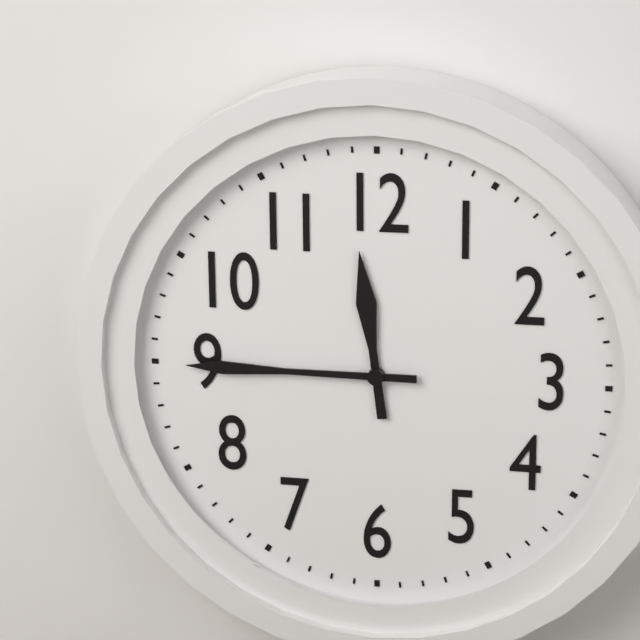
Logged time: 11,45
